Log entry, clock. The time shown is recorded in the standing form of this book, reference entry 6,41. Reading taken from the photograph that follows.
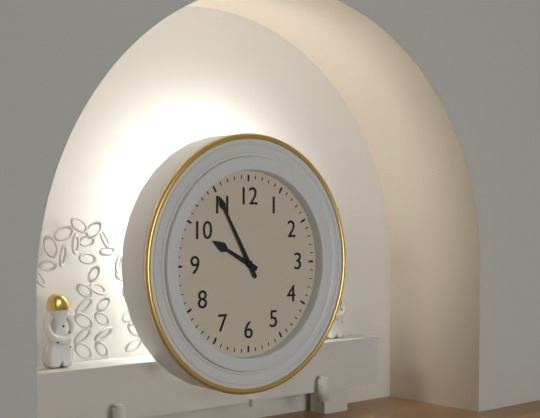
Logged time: 9,55
